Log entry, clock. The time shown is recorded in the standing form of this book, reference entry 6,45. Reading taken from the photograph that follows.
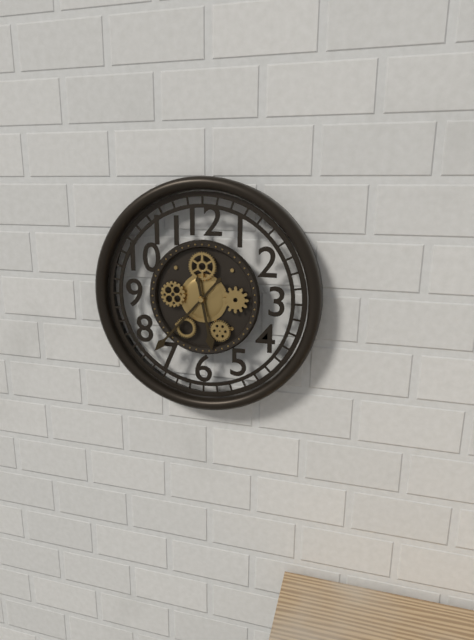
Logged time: 5,37
